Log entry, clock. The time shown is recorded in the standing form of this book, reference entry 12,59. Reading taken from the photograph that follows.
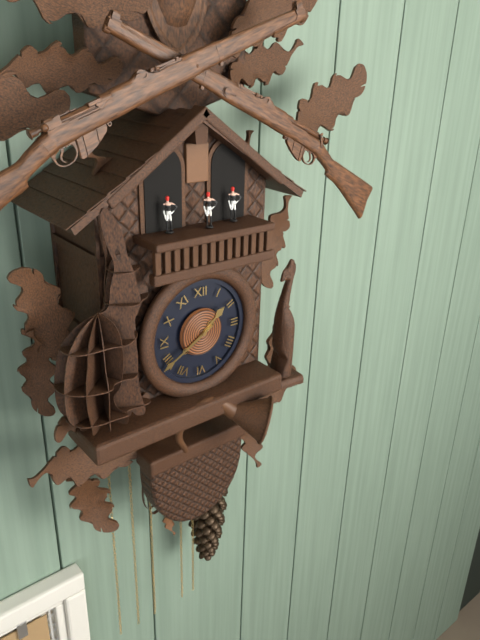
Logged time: 1,40
